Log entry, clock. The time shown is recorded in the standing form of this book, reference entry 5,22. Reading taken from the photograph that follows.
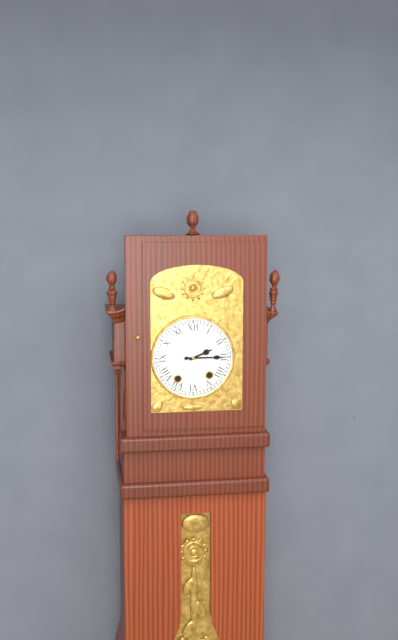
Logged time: 2,15
